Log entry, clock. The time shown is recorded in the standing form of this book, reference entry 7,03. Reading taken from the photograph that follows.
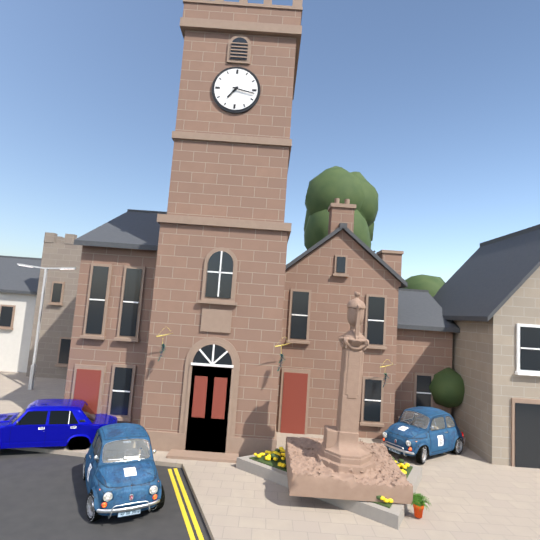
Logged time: 7,17
